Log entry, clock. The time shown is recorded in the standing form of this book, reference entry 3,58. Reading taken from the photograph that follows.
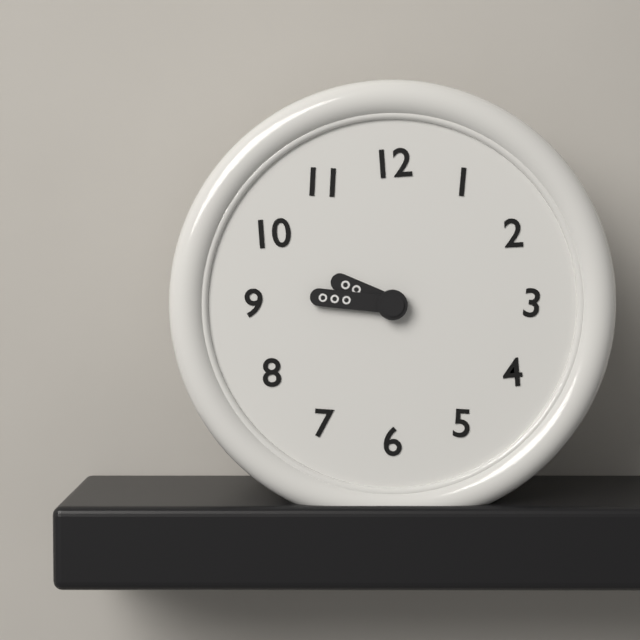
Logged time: 9,46
